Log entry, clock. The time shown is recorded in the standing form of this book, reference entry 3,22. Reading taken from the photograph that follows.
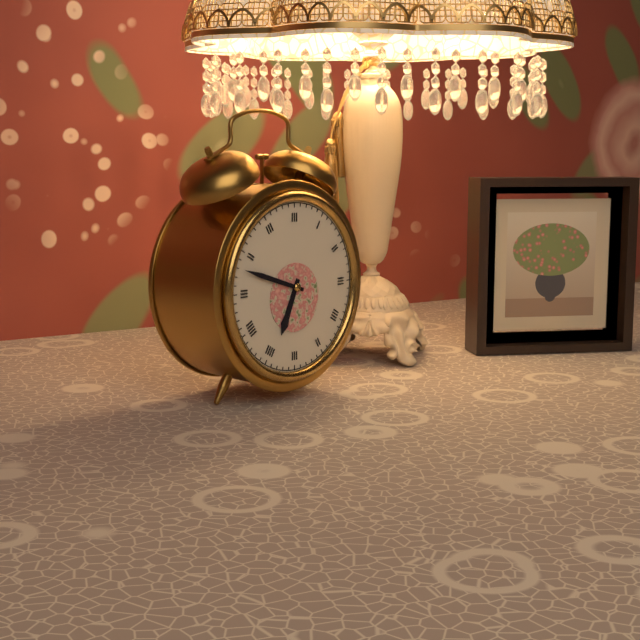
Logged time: 6,48
